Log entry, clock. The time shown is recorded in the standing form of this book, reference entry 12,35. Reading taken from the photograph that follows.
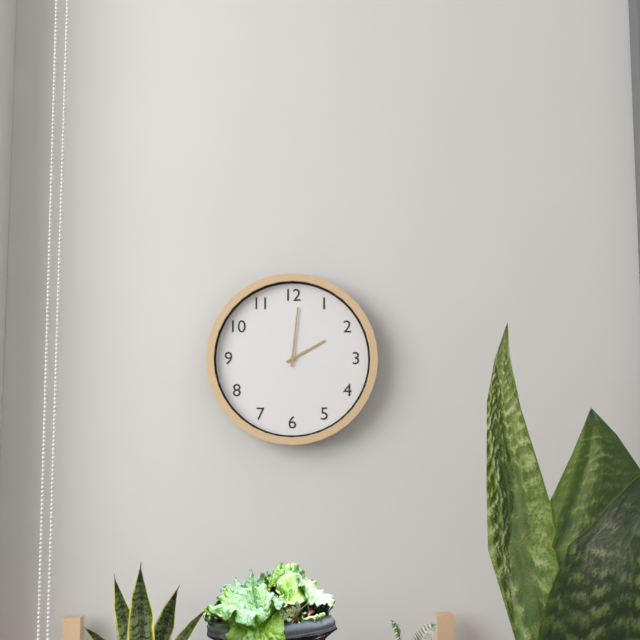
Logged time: 2,01
